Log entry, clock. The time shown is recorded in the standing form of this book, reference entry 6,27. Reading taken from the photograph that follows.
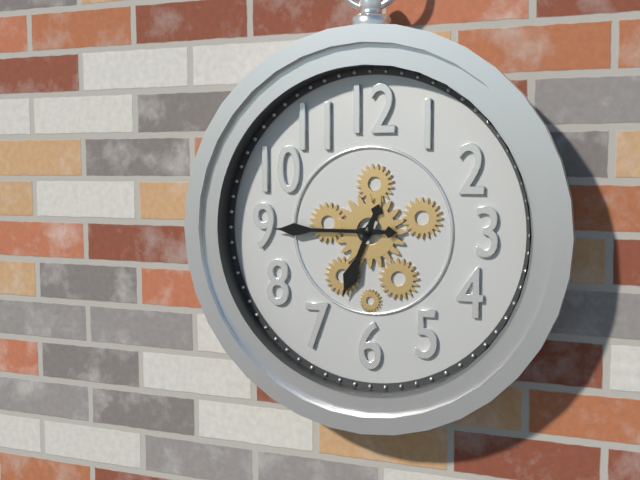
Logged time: 6,45
